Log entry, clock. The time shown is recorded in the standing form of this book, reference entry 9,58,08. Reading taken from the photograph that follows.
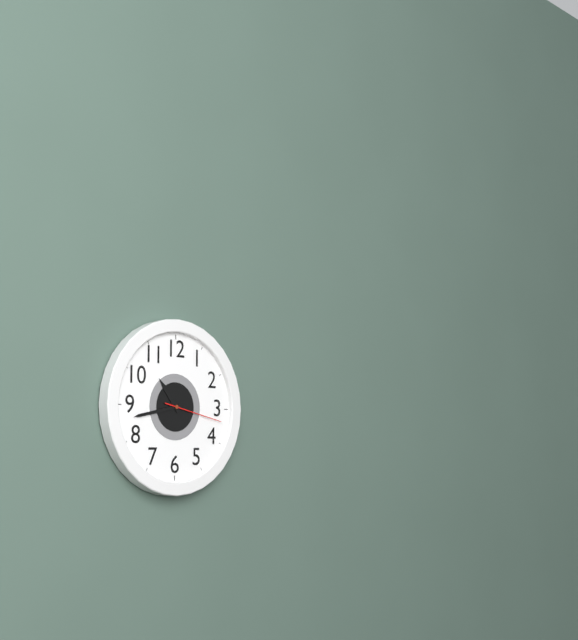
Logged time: 10,43,17
